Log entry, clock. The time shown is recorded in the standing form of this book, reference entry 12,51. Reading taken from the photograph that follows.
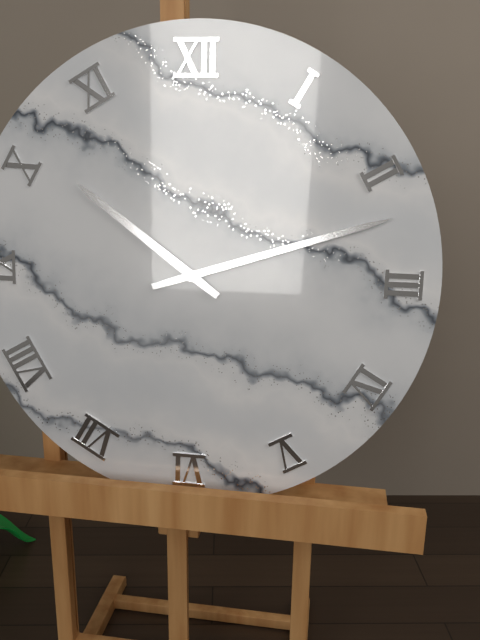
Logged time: 10,12
